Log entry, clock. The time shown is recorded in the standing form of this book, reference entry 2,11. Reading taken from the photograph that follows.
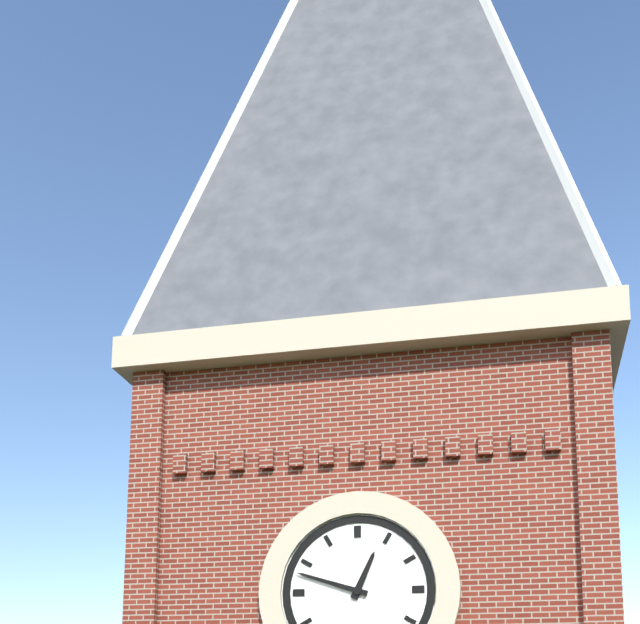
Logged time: 12,48
